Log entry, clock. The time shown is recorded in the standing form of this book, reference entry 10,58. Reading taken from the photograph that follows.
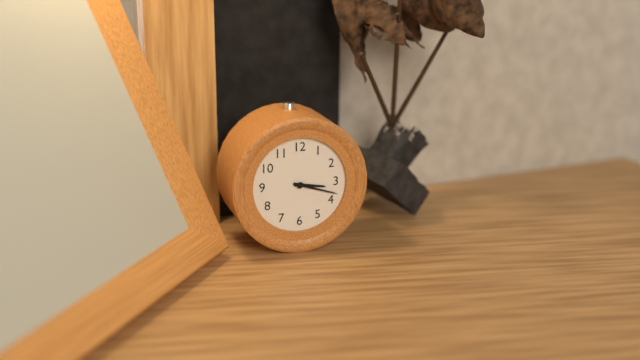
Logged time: 3,18
